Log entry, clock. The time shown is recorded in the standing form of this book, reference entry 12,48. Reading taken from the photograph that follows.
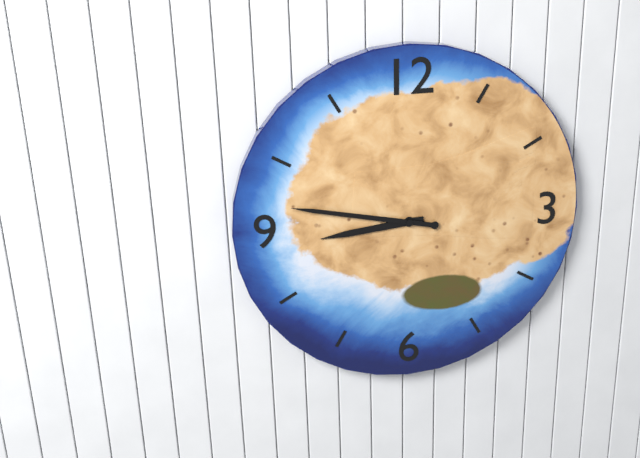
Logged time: 8,47
